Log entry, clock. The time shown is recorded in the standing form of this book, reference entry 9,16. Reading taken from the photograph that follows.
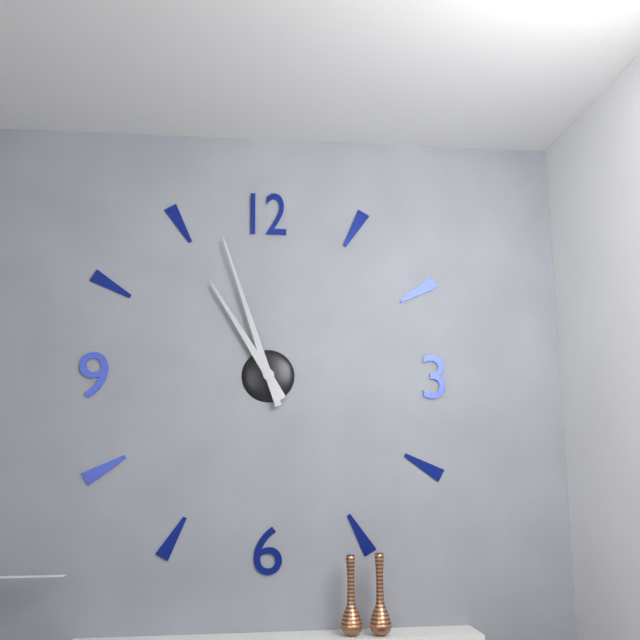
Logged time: 10,57
